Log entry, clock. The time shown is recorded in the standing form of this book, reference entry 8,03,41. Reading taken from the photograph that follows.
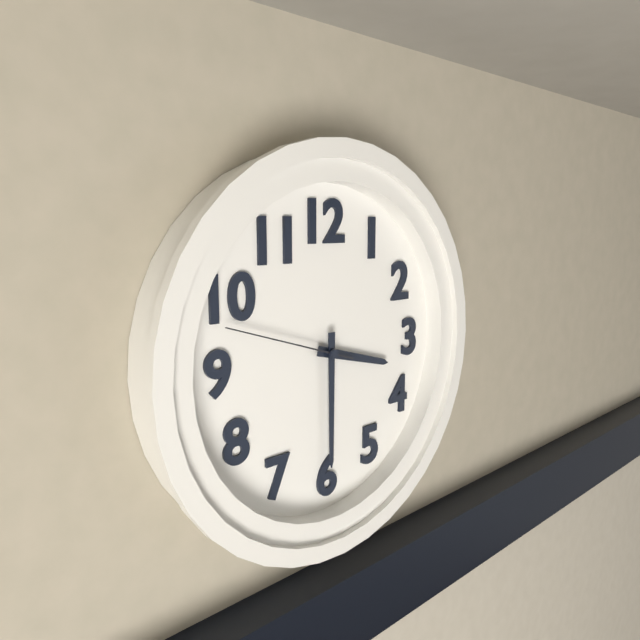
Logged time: 3,30,48
